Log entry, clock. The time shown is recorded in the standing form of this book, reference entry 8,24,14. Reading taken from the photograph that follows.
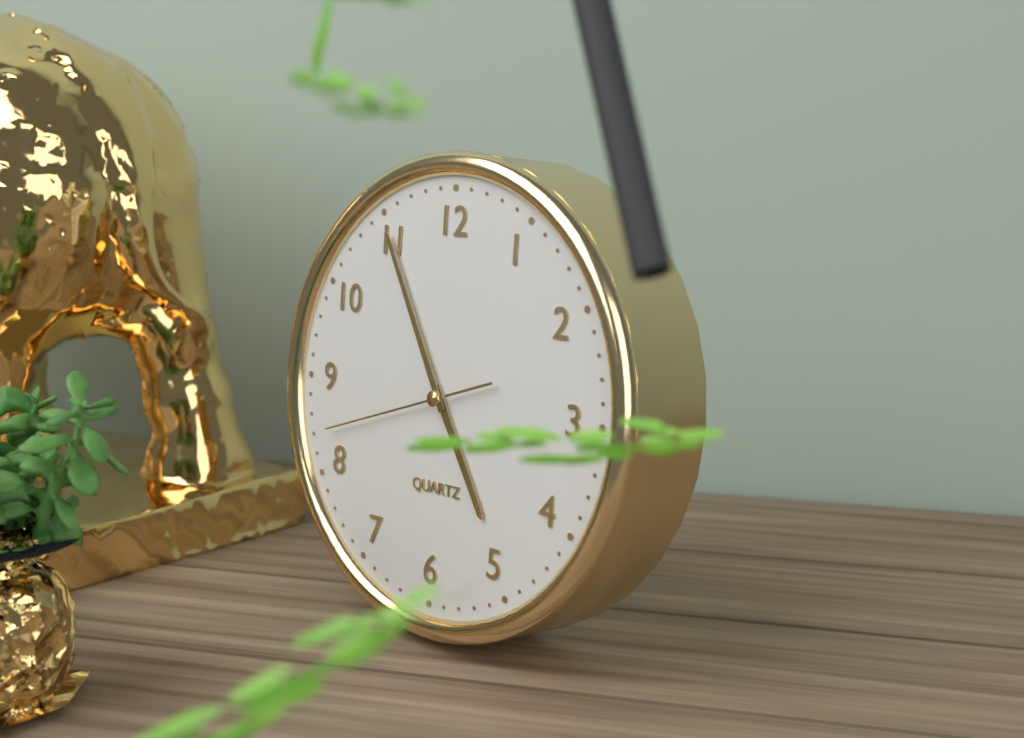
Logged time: 4,55,42
